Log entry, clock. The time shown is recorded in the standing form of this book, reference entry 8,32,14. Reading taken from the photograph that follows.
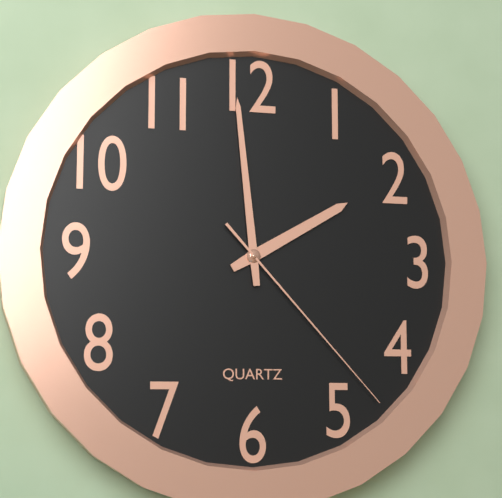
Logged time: 1,59,23
